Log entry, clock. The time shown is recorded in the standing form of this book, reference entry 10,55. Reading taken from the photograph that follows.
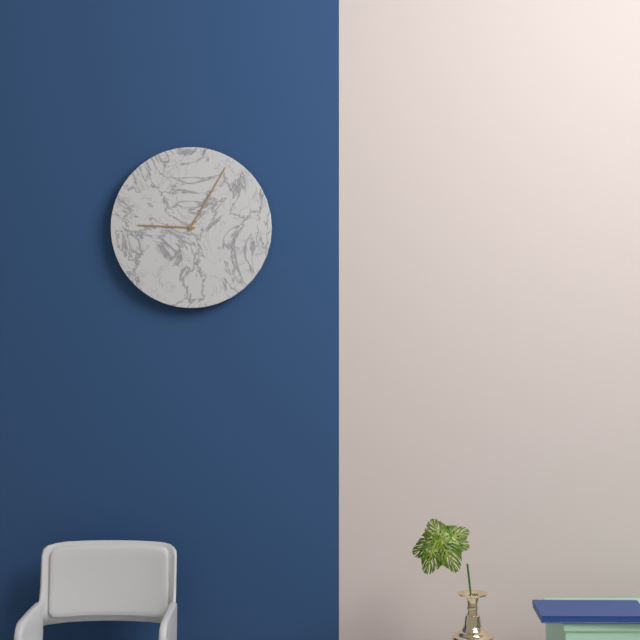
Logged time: 9,05
